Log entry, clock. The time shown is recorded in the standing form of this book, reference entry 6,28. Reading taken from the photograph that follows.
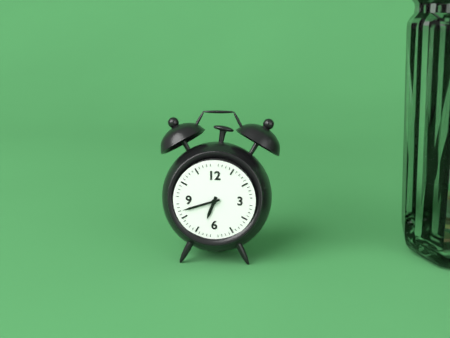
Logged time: 6,42
